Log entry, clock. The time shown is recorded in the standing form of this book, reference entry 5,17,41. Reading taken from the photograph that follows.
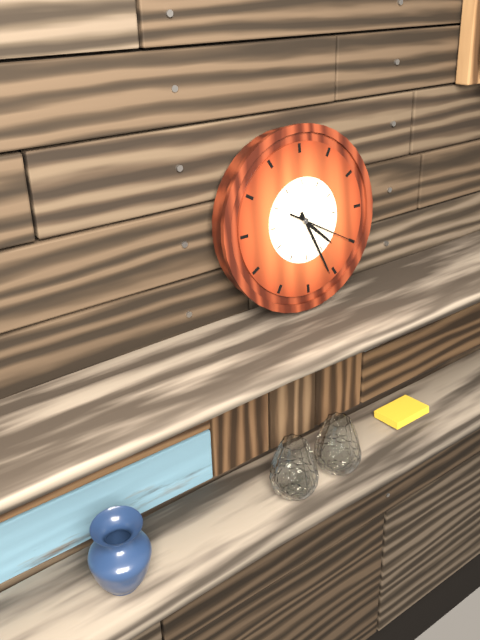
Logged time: 4,26,20
